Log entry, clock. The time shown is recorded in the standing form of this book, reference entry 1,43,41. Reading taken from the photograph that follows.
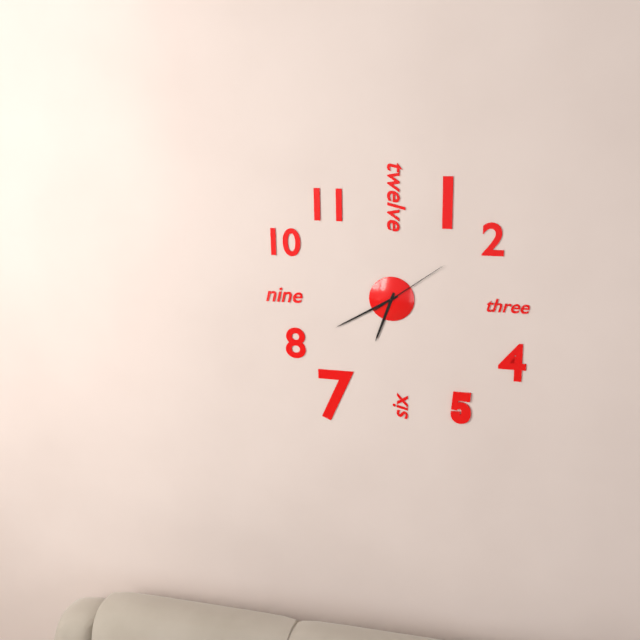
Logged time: 6,40,09
